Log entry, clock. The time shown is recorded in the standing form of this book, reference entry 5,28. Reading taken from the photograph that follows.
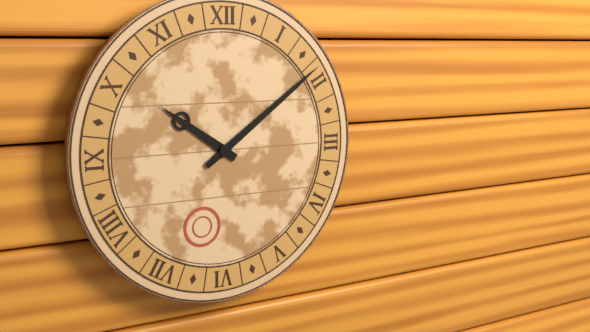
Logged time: 10,09
